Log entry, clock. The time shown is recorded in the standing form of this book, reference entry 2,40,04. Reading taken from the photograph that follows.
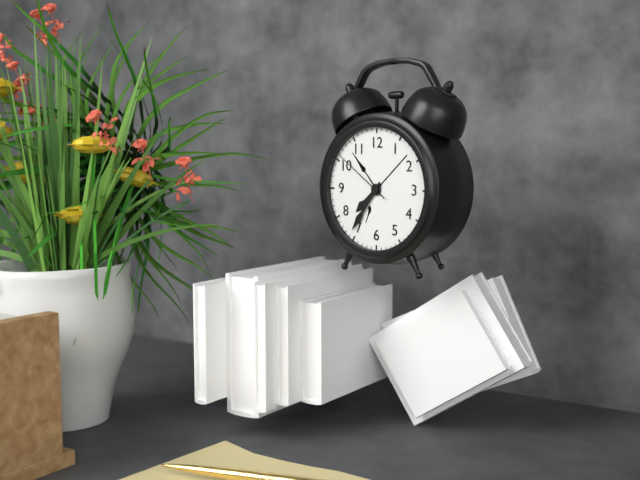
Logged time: 7,36,51
